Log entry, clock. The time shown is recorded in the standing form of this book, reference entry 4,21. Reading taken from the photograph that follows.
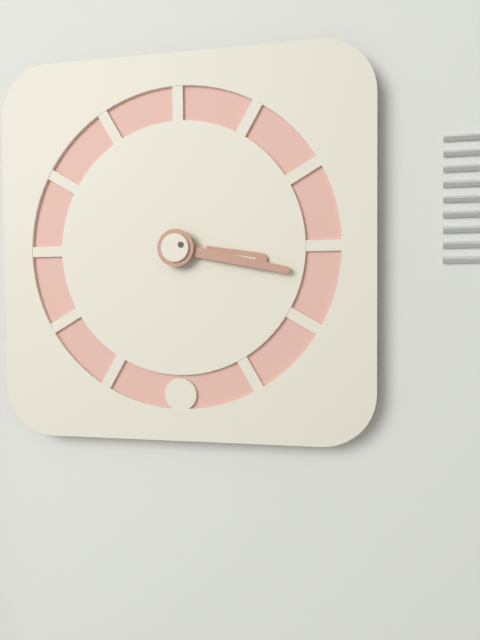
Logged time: 3,17
